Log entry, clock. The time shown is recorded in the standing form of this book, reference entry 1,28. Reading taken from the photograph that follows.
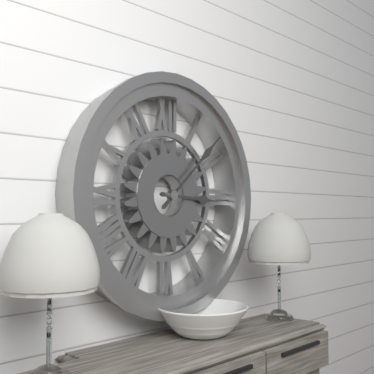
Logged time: 3,08
